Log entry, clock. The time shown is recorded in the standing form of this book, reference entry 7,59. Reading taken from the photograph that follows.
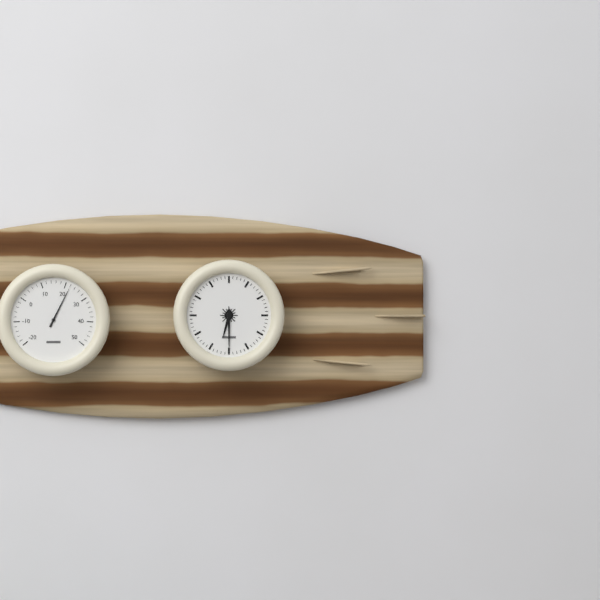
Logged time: 6,30
